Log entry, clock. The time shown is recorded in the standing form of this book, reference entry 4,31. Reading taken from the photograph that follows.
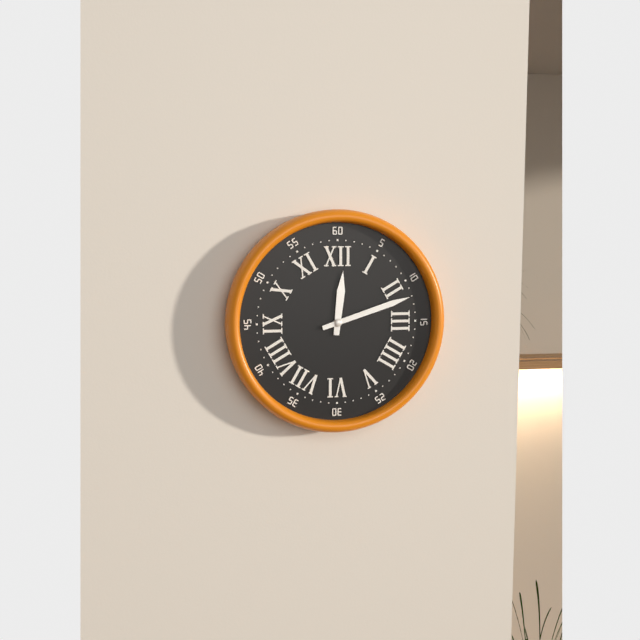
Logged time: 12,12
